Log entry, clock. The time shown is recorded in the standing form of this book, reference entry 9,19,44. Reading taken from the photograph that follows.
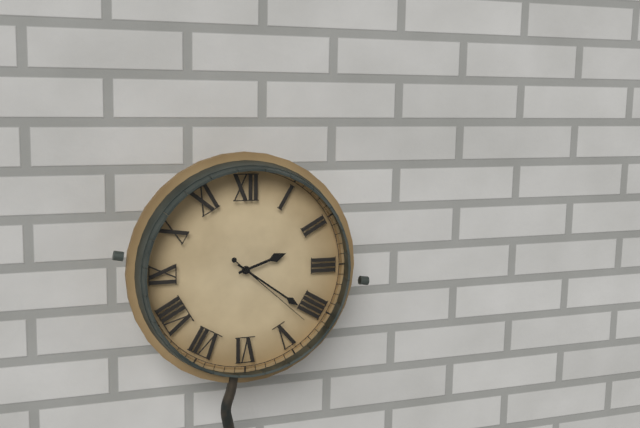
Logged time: 2,21,22
